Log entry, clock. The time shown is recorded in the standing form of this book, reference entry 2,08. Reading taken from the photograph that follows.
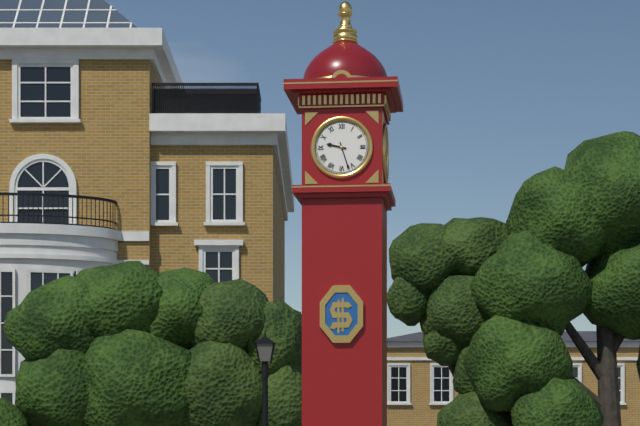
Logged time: 9,27
